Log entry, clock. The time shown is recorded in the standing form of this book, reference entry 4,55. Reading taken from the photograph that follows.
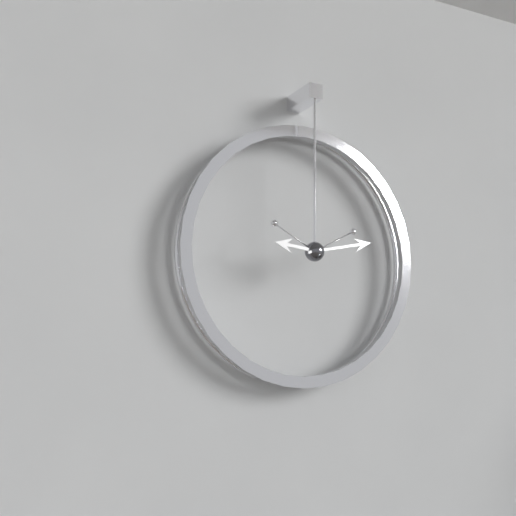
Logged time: 9,13
